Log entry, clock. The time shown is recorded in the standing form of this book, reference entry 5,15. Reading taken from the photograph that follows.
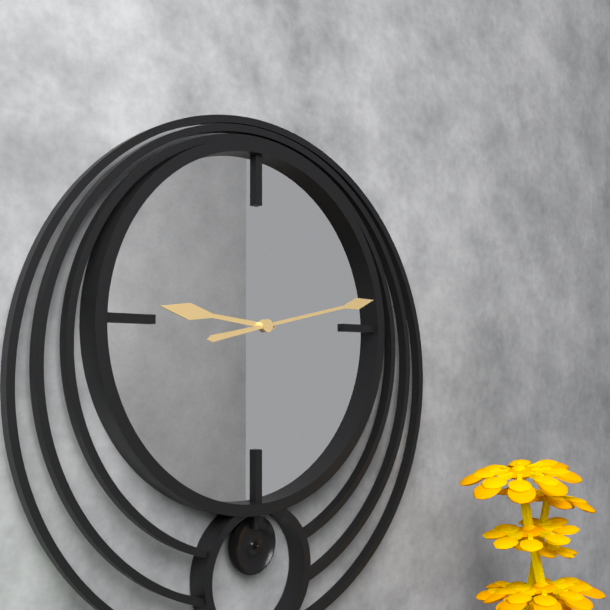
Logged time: 9,13
